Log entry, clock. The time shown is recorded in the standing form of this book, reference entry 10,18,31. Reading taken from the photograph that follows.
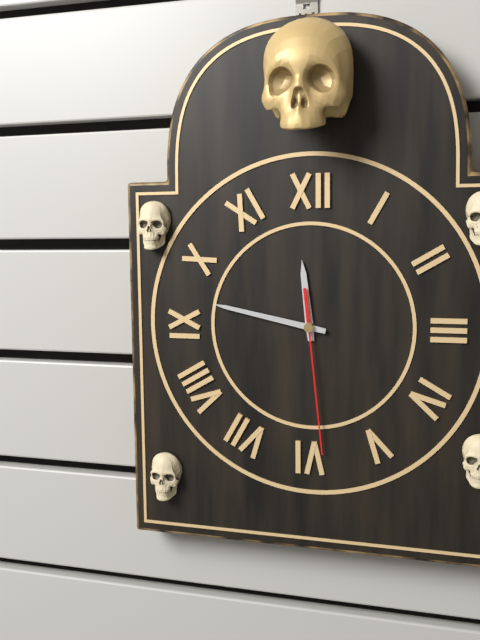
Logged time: 11,47,29
